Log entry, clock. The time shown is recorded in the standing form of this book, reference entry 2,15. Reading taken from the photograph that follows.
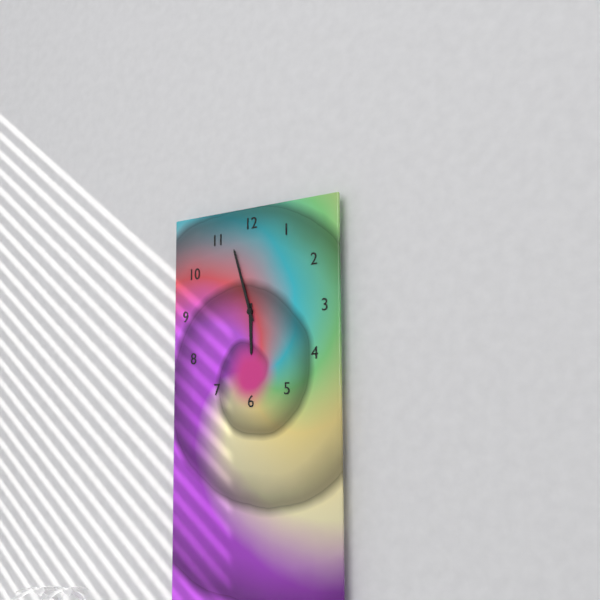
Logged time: 5,57
